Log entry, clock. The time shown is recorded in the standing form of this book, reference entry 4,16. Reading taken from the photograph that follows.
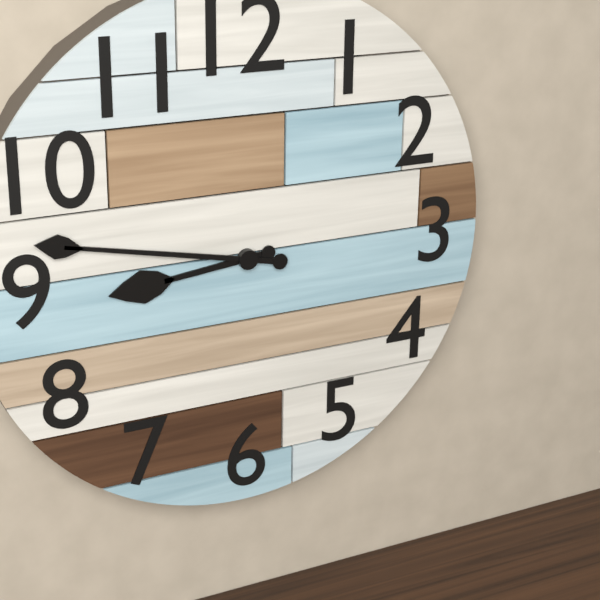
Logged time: 8,47
